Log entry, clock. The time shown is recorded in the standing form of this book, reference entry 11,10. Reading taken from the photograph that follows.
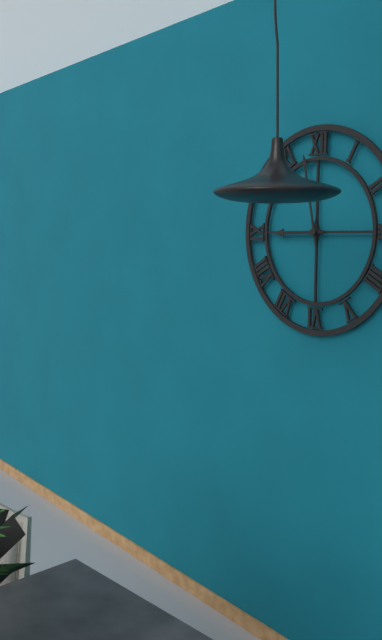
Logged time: 8,58
